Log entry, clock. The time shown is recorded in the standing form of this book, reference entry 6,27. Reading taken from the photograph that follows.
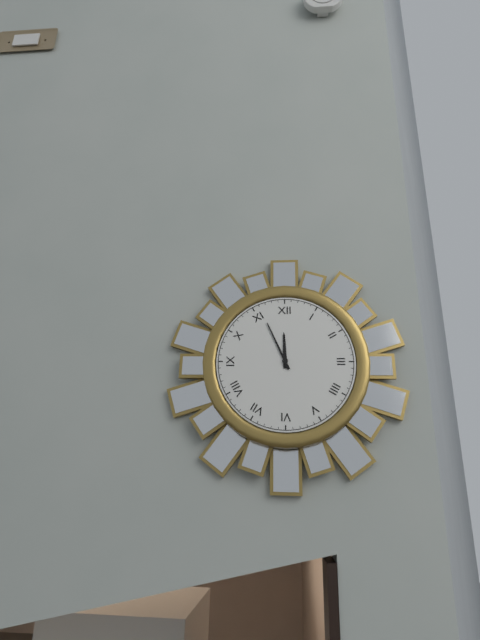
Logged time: 11,56
